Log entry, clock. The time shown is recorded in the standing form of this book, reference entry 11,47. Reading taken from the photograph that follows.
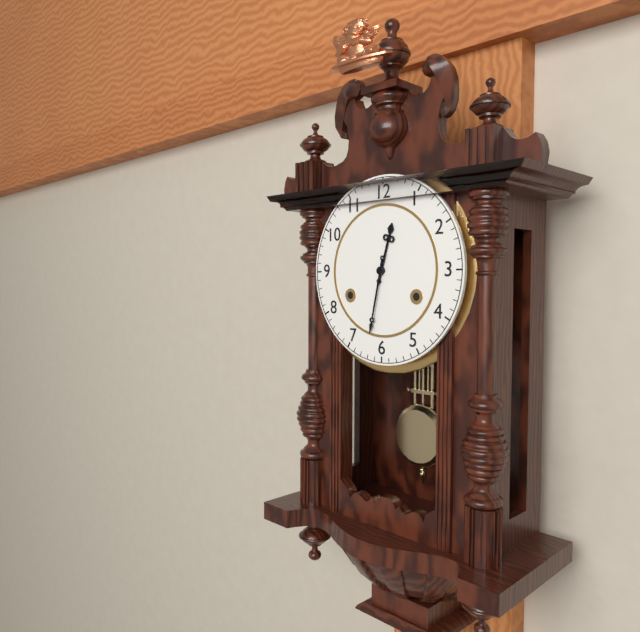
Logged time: 12,32
